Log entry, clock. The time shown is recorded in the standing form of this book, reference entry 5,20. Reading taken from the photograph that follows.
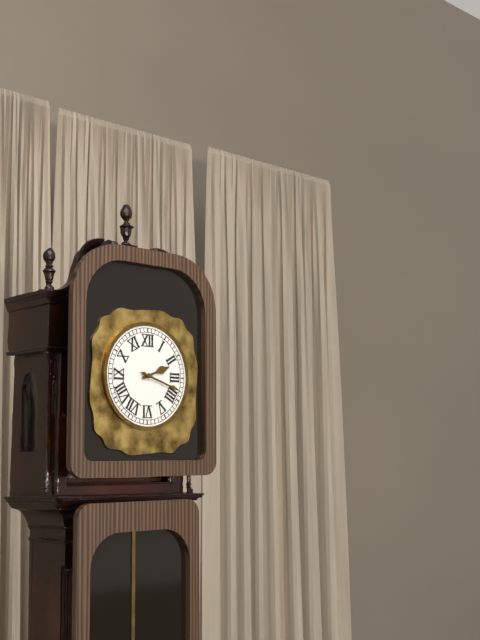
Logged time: 2,18
